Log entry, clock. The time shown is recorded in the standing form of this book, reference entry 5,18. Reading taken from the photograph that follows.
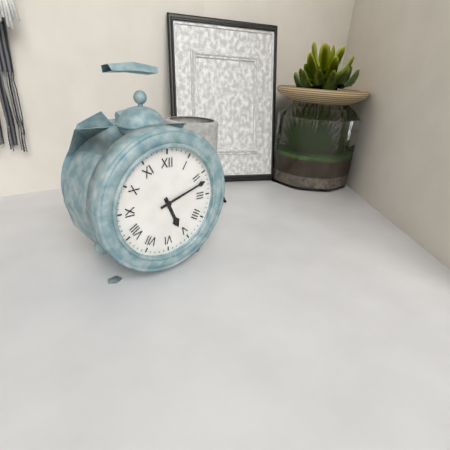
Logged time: 5,12
